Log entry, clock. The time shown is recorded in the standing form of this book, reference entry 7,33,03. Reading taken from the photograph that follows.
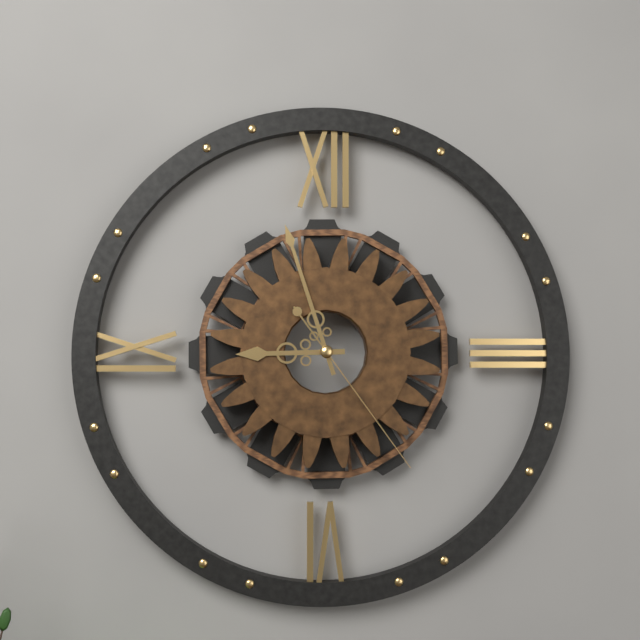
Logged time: 8,57,24
